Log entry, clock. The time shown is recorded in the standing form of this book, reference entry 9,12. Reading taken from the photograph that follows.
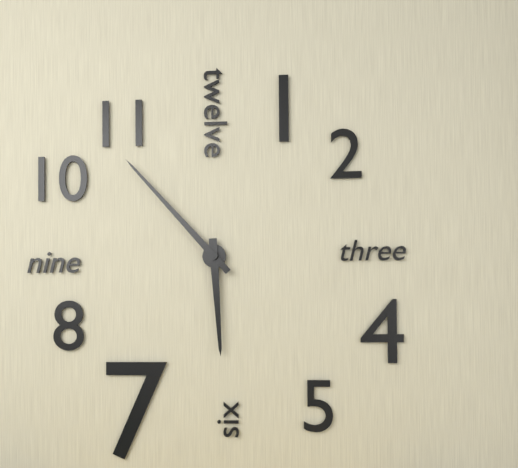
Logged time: 5,53
